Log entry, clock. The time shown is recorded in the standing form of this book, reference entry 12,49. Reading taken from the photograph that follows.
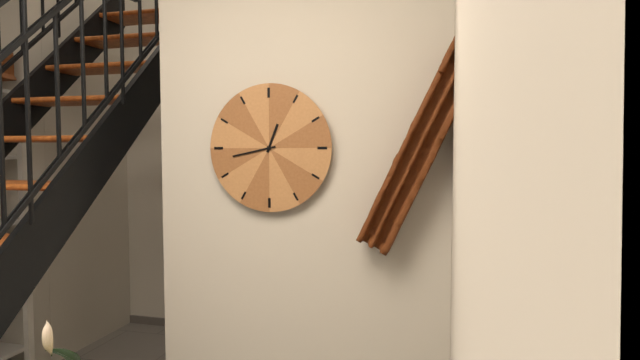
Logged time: 12,43
